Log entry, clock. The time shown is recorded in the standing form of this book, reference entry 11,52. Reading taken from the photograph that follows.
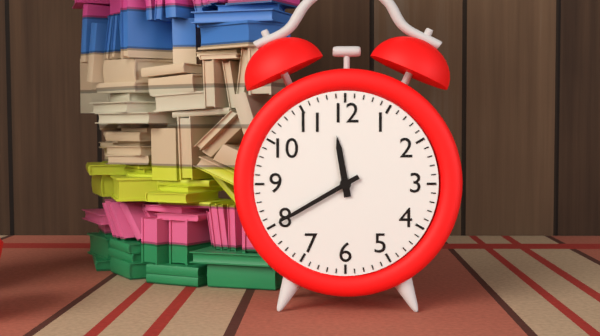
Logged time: 11,40
